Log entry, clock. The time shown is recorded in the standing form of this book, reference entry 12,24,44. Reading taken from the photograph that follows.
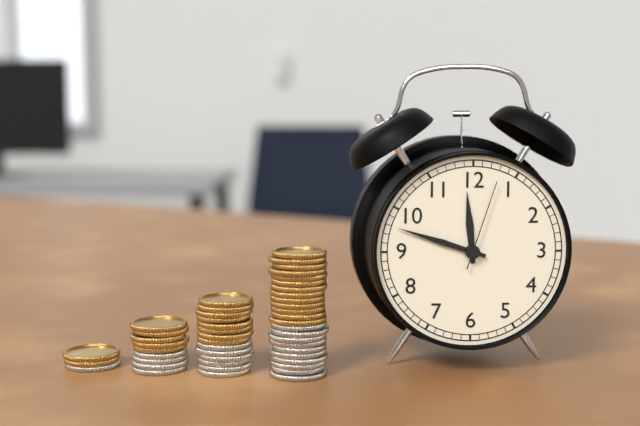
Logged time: 11,48,03
